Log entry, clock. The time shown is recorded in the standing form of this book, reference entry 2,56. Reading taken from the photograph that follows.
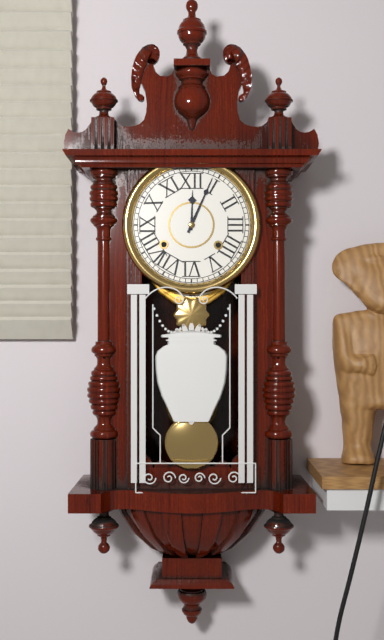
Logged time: 12,04
